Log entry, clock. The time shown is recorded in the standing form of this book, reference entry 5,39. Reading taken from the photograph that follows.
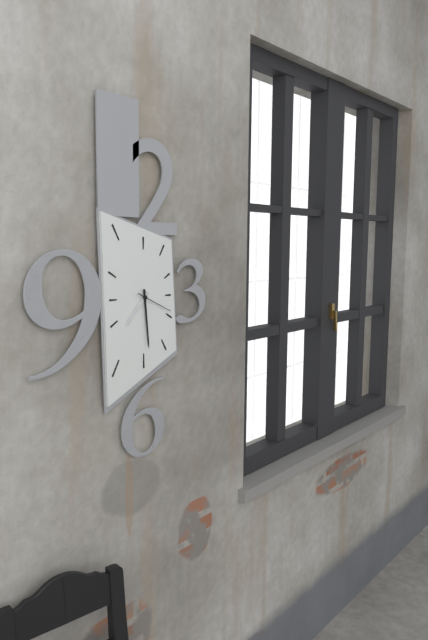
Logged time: 7,29
